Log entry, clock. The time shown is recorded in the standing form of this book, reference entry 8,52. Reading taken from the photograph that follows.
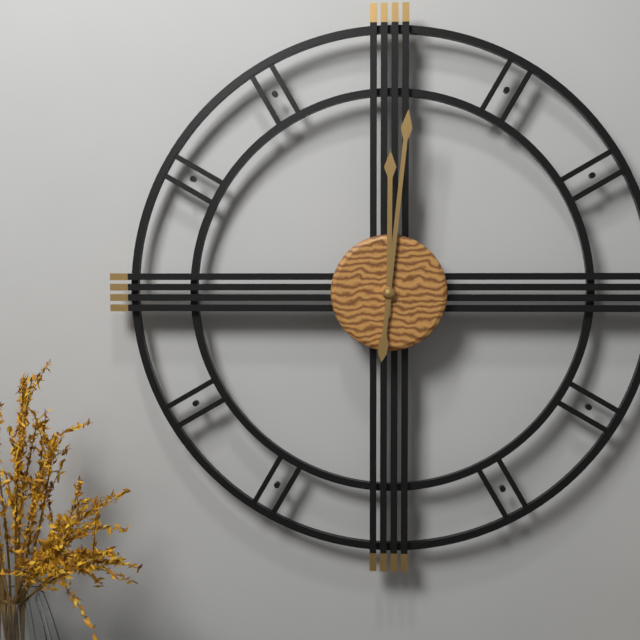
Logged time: 12,01
